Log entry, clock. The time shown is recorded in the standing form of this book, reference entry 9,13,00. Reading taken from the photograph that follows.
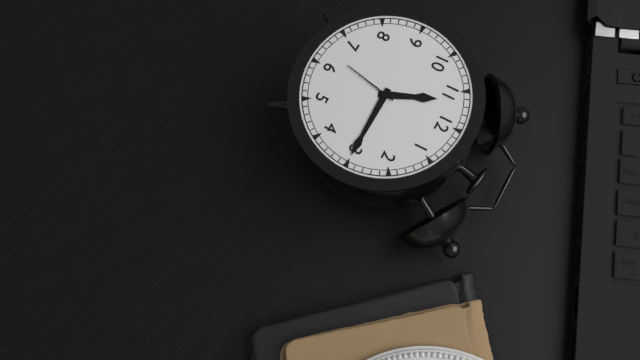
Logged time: 11,15,32
